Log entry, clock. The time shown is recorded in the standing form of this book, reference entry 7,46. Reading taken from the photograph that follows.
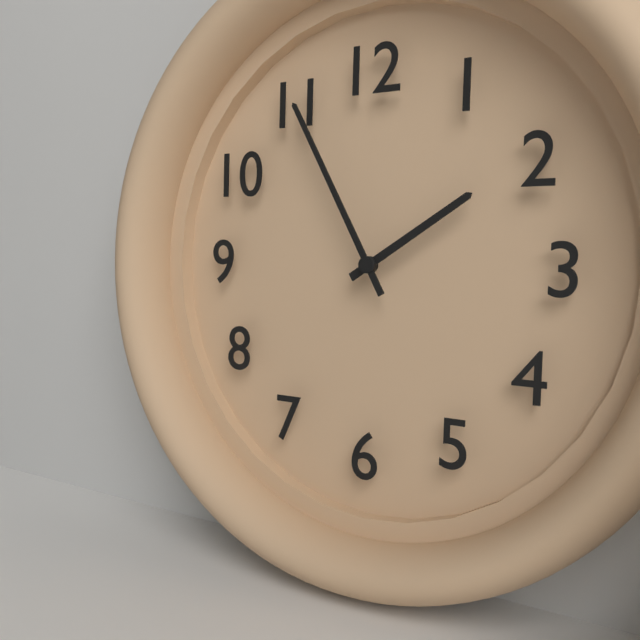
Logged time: 1,55
